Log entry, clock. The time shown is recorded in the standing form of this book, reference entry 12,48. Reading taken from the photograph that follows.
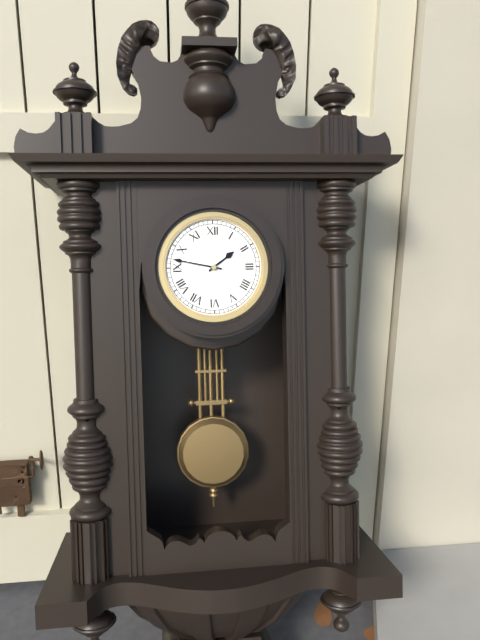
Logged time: 1,47
